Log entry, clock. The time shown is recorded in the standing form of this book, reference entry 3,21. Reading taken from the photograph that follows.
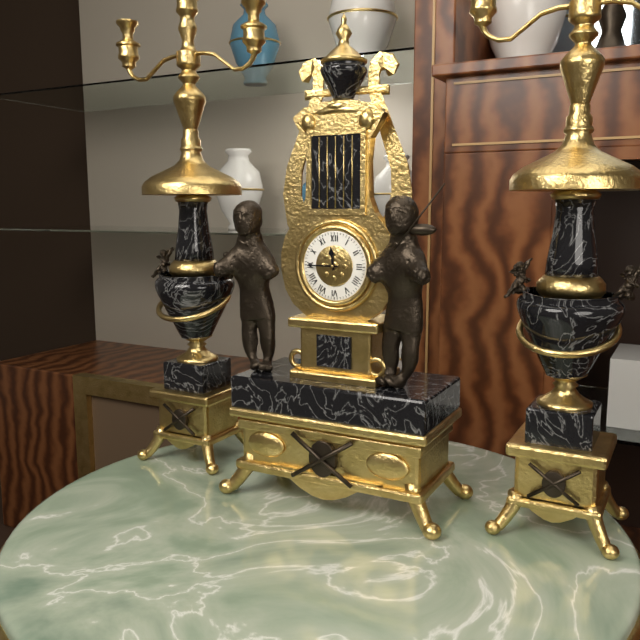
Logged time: 11,45
